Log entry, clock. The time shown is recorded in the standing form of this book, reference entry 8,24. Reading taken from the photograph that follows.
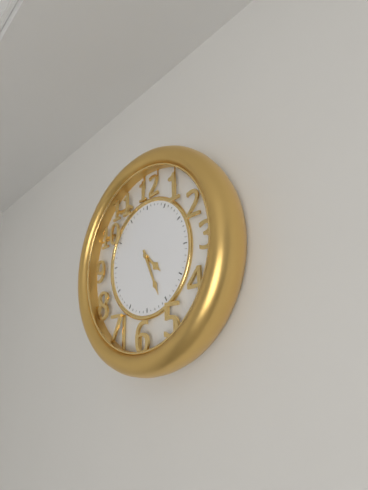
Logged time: 4,26
